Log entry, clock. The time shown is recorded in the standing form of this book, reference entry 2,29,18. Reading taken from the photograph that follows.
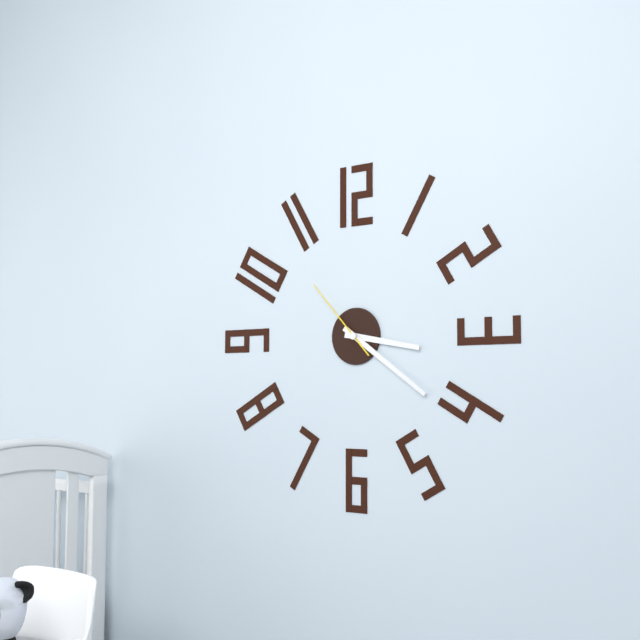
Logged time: 3,21,53
